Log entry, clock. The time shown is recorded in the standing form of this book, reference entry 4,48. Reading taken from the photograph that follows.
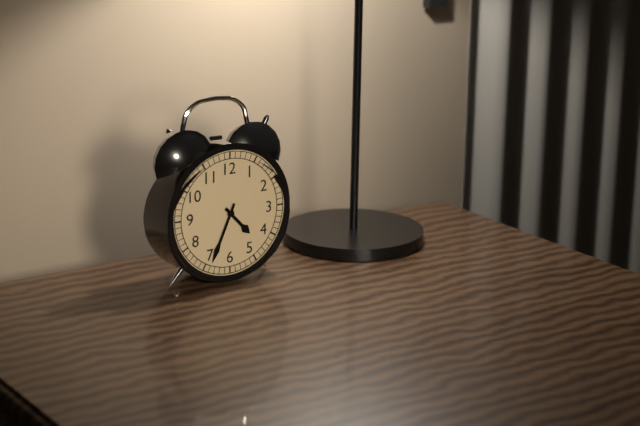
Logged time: 4,34
